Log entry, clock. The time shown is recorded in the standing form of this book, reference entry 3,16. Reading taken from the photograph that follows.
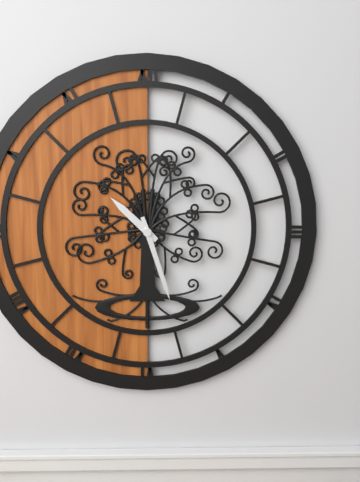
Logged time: 10,27
